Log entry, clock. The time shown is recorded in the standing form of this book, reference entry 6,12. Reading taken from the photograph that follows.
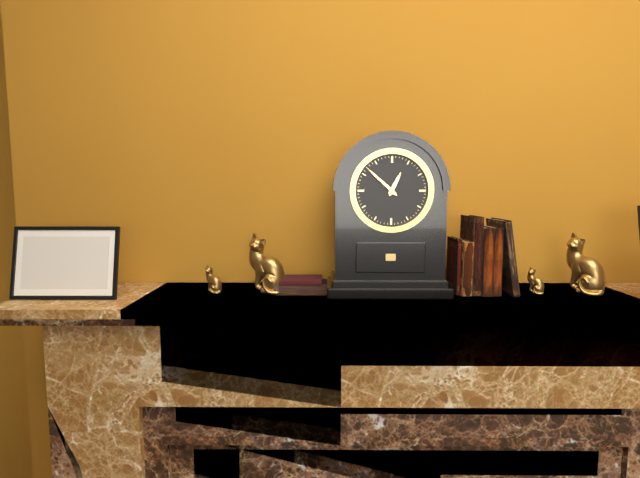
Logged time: 12,52
